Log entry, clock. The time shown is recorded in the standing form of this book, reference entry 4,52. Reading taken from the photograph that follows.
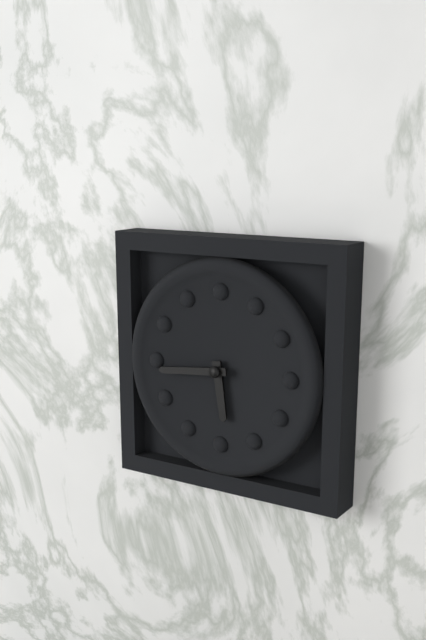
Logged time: 5,44
